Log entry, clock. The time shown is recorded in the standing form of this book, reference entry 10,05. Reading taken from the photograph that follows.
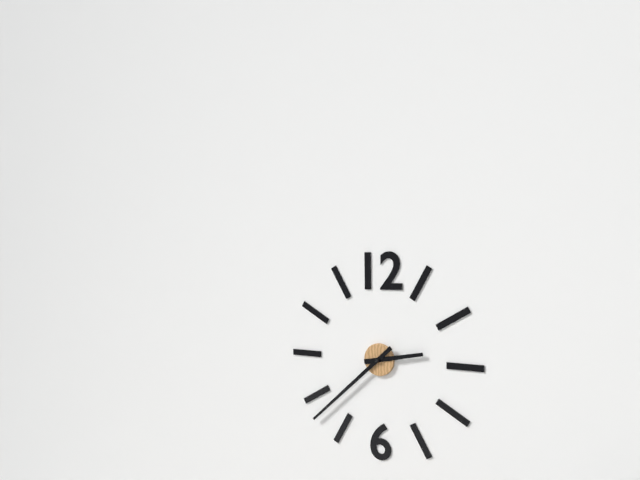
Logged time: 2,38
